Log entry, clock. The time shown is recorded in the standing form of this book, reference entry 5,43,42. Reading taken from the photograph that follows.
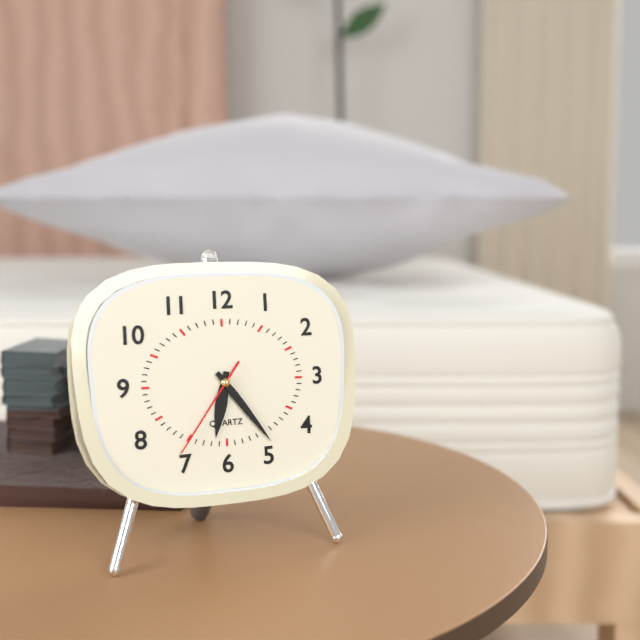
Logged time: 6,24,36
